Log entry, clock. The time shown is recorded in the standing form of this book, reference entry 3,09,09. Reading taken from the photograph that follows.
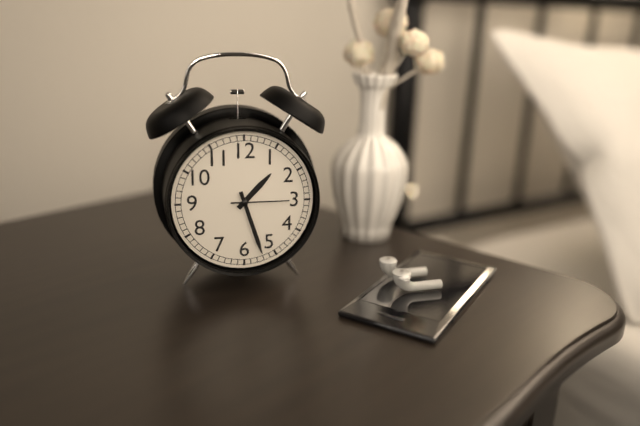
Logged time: 1,27,15
